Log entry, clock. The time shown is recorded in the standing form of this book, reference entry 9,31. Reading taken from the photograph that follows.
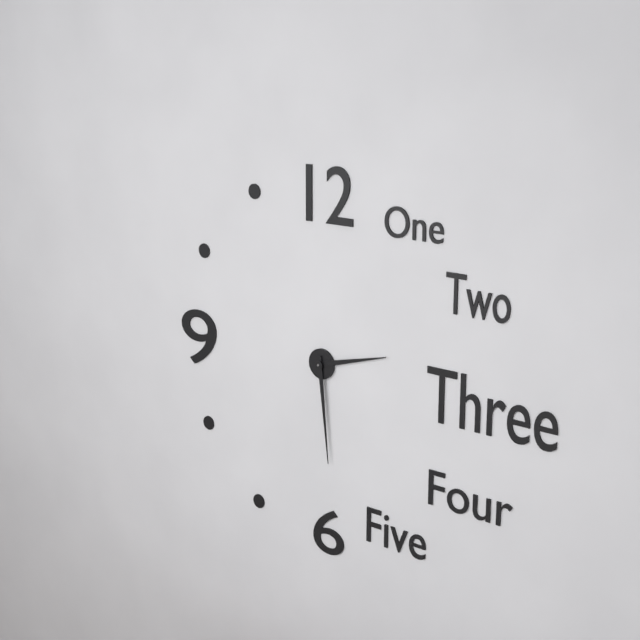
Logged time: 2,29
